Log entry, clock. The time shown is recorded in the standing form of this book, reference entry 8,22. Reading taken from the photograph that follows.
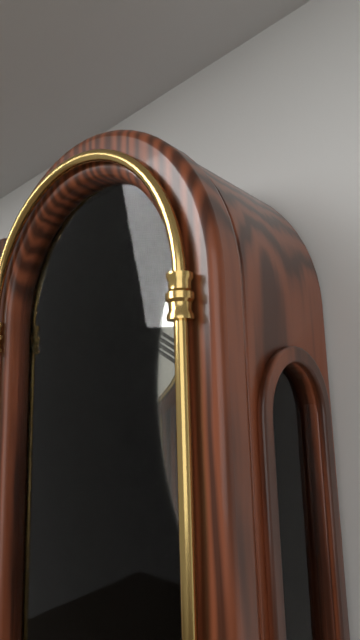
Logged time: 4,10
